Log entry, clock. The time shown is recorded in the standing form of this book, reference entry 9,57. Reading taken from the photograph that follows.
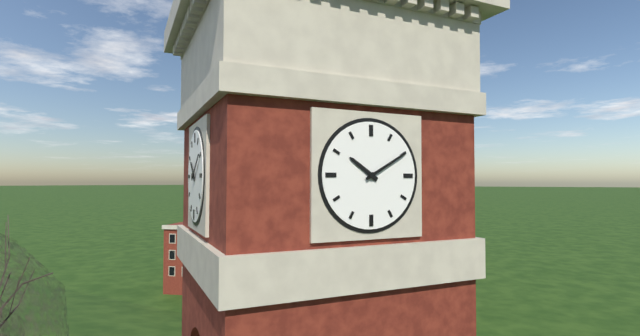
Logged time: 10,10
